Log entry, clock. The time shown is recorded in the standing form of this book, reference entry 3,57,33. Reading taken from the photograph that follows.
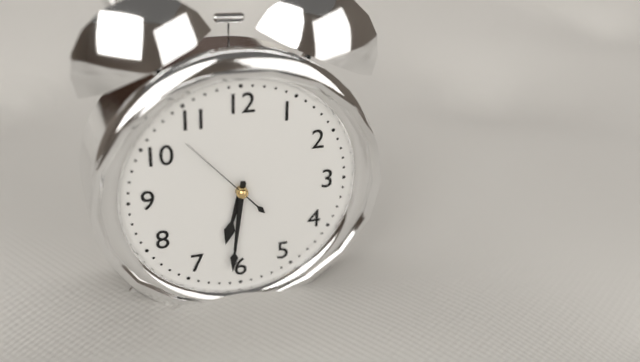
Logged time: 6,31,53
